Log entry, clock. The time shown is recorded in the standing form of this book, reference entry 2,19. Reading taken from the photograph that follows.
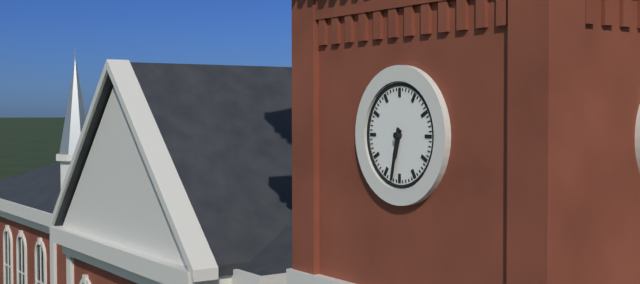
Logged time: 6,32
